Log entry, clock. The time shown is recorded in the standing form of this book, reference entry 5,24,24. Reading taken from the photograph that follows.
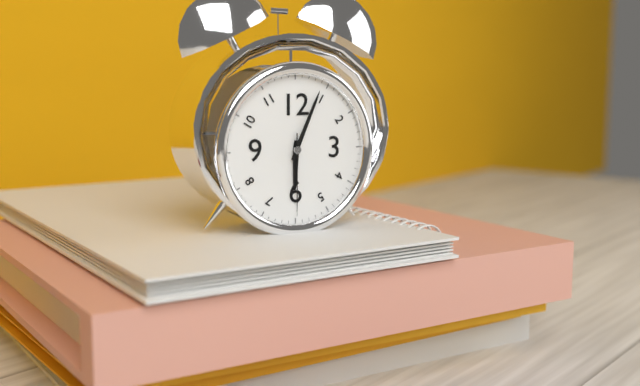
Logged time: 6,04,30
